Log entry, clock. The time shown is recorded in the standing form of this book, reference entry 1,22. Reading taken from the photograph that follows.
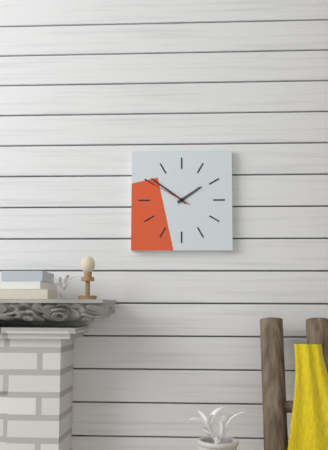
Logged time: 1,51
